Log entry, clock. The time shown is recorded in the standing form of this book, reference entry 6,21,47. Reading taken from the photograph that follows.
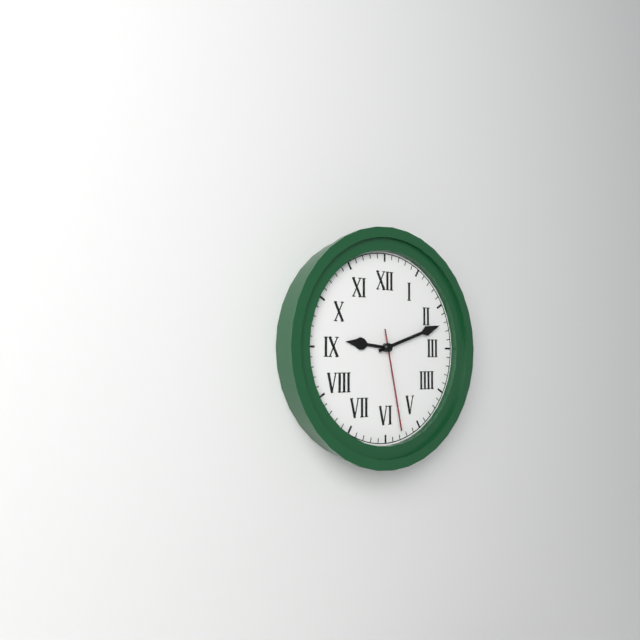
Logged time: 9,12,28
